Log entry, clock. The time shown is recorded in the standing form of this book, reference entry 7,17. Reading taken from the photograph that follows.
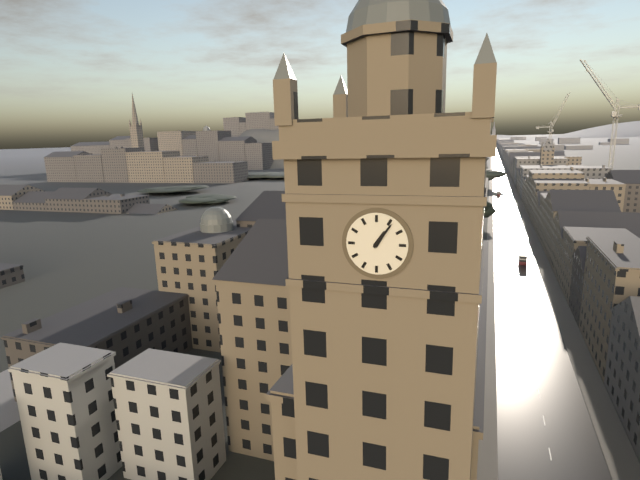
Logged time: 1,06
